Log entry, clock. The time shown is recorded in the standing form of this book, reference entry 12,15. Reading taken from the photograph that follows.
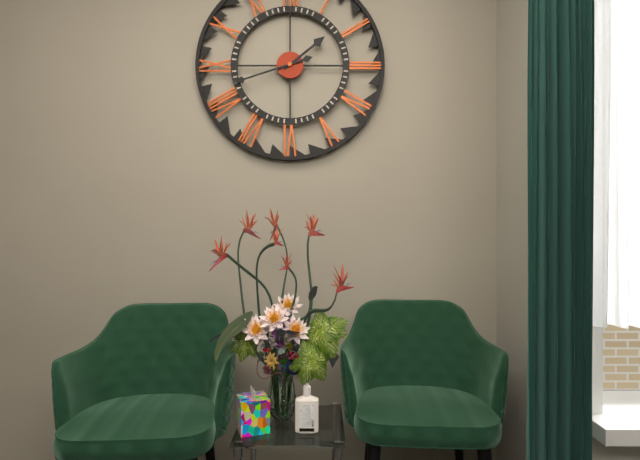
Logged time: 1,42
